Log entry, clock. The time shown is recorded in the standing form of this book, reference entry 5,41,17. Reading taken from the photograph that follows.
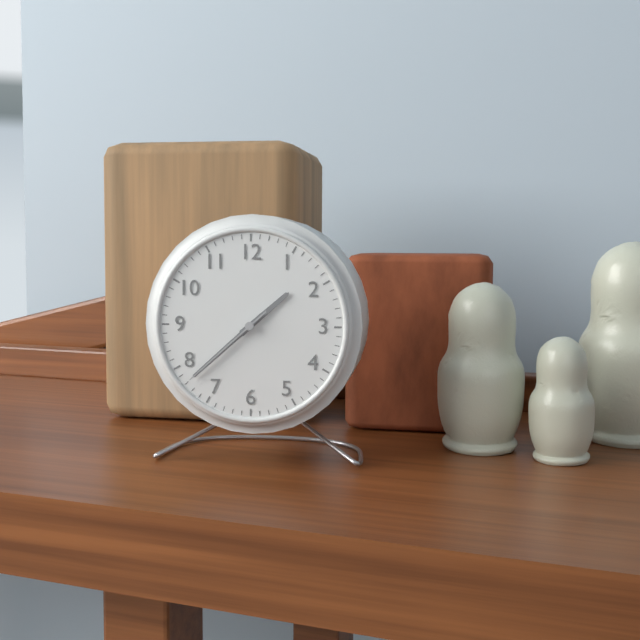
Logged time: 1,38,38
